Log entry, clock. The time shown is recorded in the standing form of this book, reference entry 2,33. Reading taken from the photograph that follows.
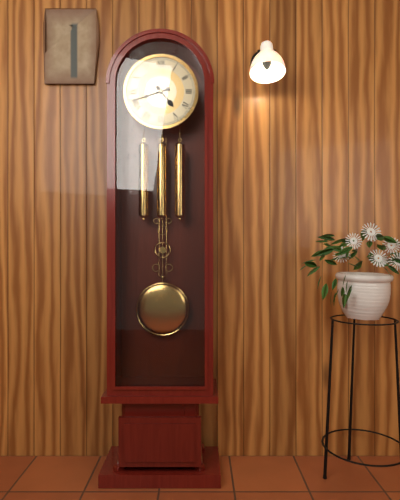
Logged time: 4,42
